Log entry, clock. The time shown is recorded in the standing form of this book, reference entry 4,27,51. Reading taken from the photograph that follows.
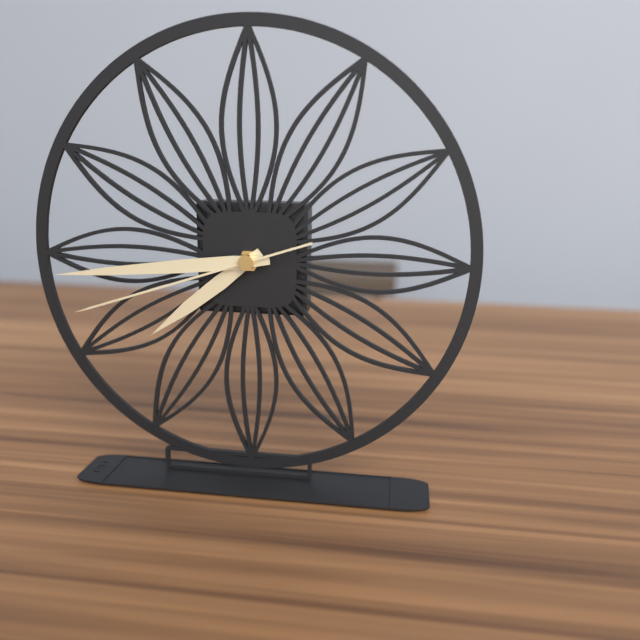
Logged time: 7,44,42
